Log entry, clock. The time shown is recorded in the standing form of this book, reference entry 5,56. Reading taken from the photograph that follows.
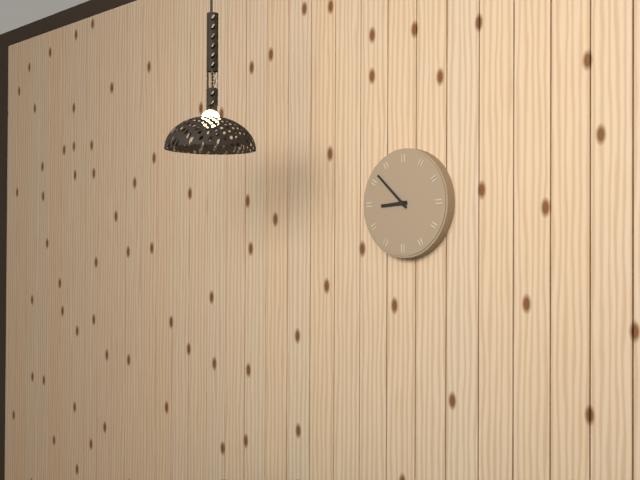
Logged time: 8,52
